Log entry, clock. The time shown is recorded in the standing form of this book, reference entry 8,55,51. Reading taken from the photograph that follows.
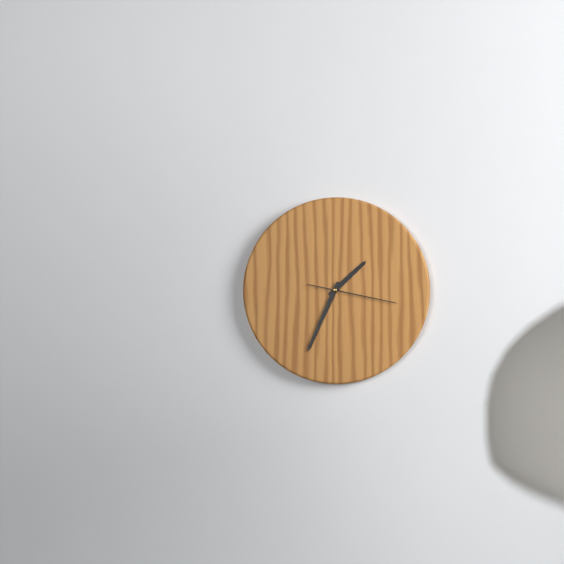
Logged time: 1,34,17
